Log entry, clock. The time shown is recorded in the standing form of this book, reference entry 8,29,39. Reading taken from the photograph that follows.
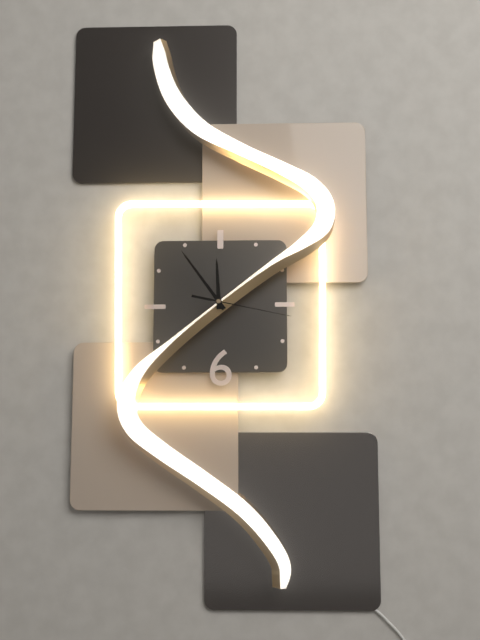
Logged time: 11,54,17
